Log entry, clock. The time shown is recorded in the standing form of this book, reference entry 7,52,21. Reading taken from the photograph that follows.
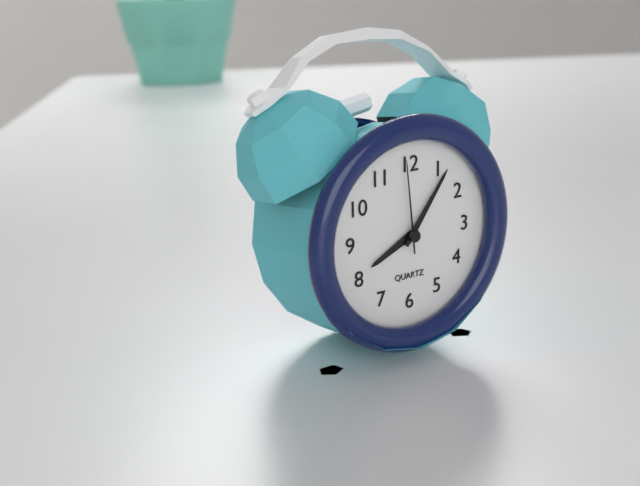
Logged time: 8,06,59
